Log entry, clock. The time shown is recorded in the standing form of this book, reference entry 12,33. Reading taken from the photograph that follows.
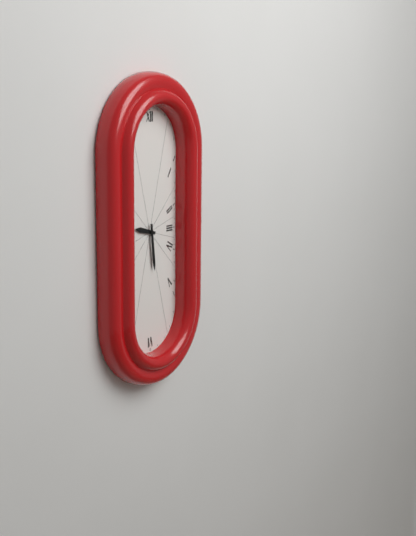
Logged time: 9,29
